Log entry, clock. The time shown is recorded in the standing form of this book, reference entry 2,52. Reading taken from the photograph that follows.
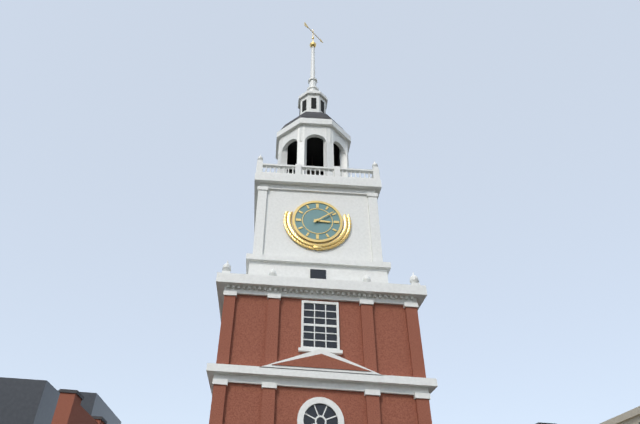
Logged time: 3,09
